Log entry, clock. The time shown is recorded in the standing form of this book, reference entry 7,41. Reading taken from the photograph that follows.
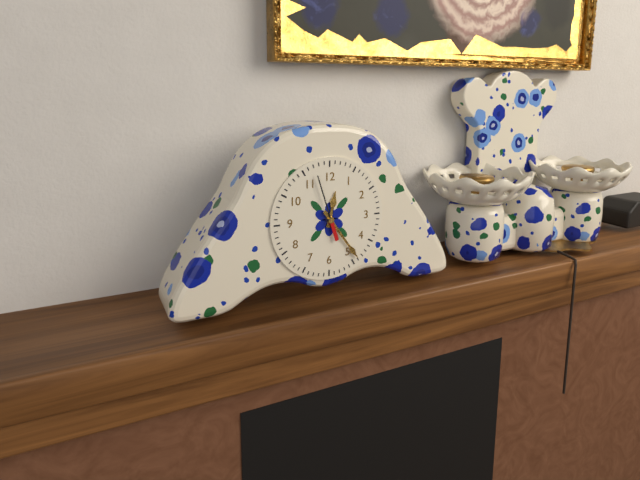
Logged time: 12,24
